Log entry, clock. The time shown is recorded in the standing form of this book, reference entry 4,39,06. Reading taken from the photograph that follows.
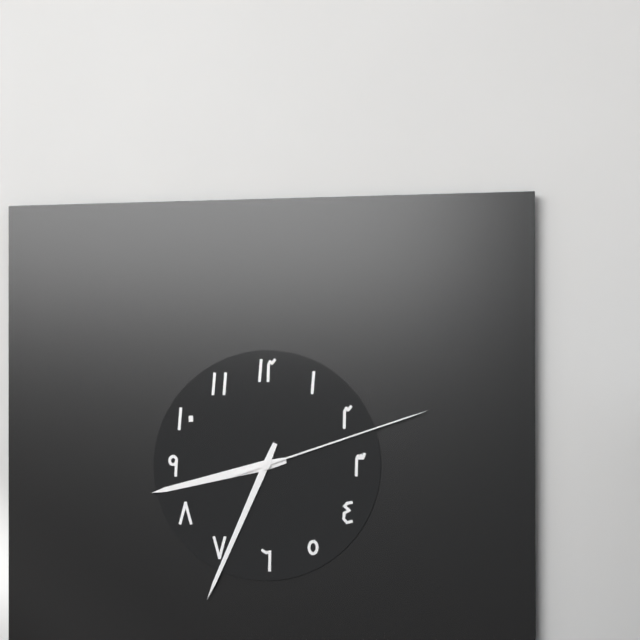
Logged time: 8,34,12
